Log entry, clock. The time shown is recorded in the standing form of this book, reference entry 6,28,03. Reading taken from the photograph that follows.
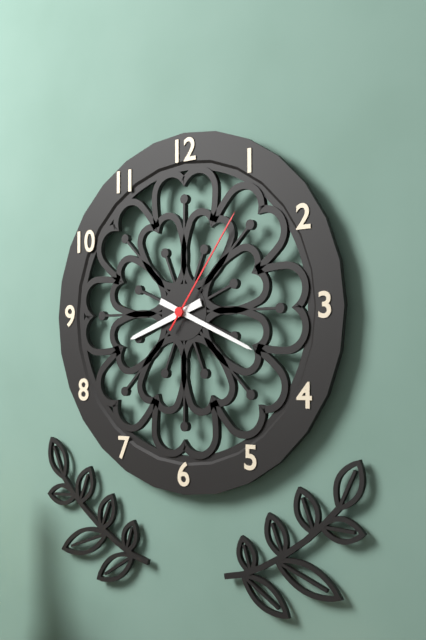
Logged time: 8,19,06
